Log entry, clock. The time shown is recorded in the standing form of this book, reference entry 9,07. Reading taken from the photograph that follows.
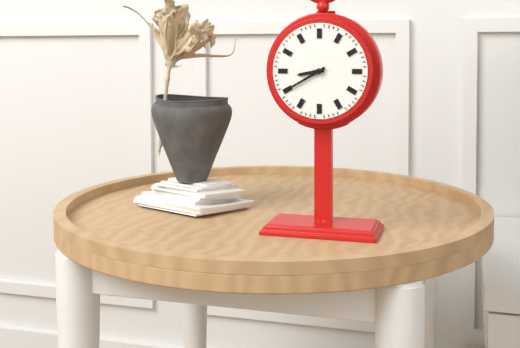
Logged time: 8,40
